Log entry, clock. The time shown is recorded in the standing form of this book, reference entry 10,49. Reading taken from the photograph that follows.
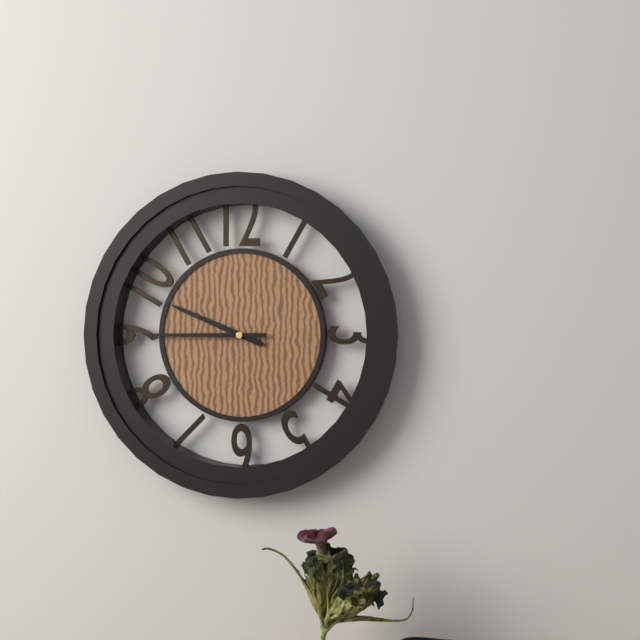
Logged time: 9,45
